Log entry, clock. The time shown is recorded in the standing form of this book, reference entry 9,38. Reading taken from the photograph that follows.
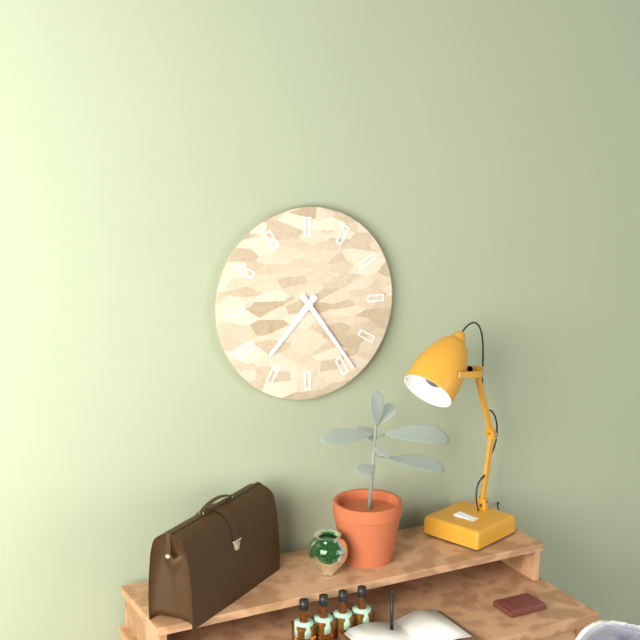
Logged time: 7,24
